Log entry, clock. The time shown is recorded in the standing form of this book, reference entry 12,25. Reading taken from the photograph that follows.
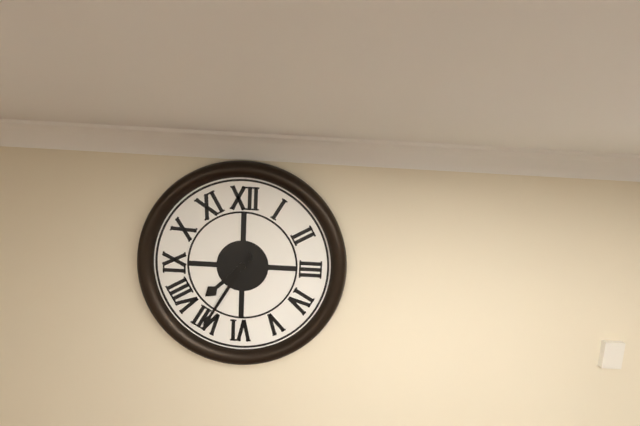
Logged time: 7,35
